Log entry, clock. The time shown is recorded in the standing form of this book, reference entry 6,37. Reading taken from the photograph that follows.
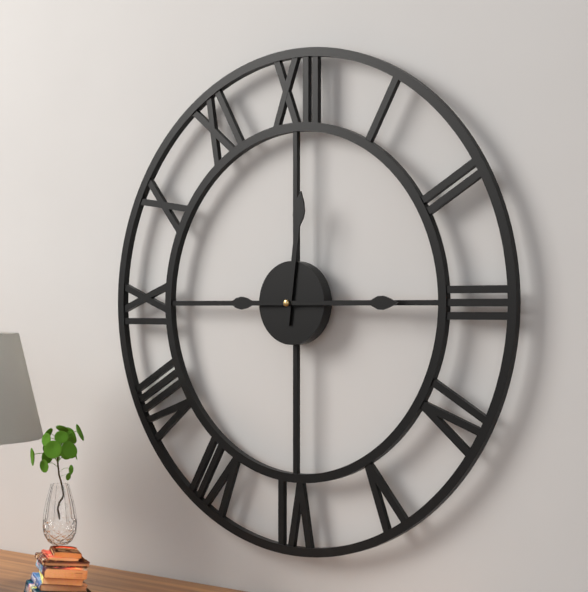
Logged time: 12,15
